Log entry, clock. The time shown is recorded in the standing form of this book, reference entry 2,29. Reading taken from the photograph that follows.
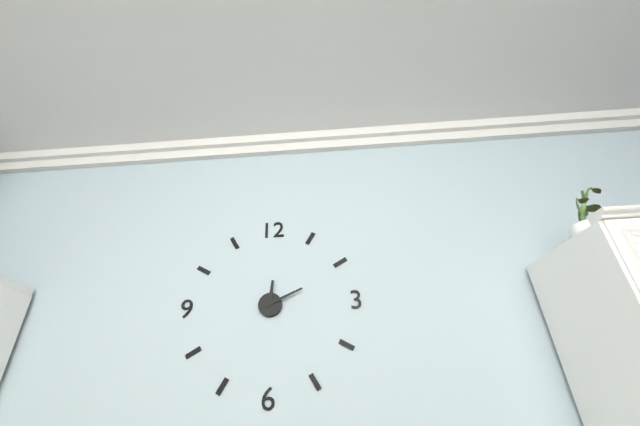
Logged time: 12,11
